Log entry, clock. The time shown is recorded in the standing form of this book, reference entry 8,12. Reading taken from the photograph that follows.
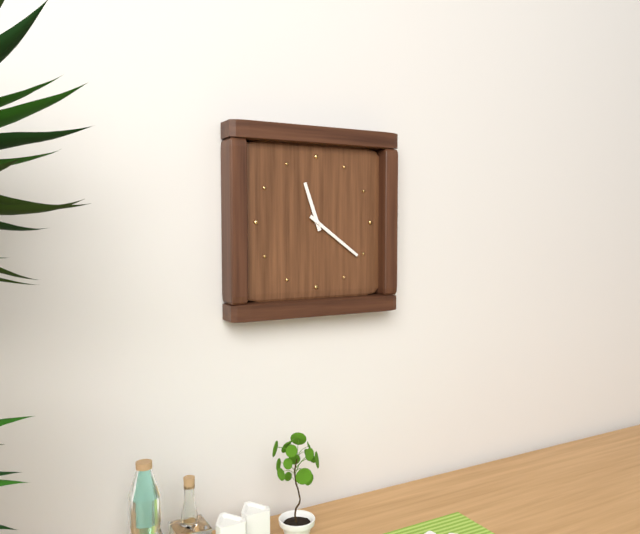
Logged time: 11,21
